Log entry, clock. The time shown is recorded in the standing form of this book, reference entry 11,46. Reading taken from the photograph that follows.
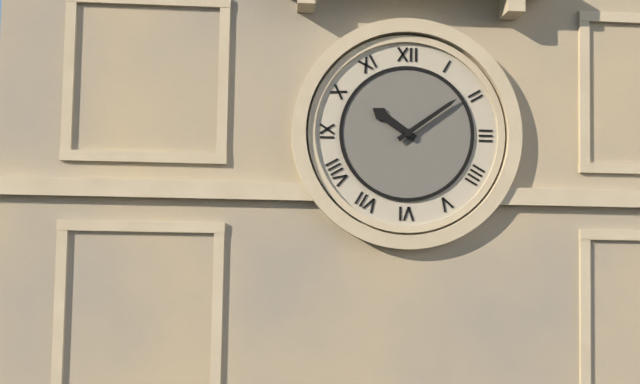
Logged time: 10,09
